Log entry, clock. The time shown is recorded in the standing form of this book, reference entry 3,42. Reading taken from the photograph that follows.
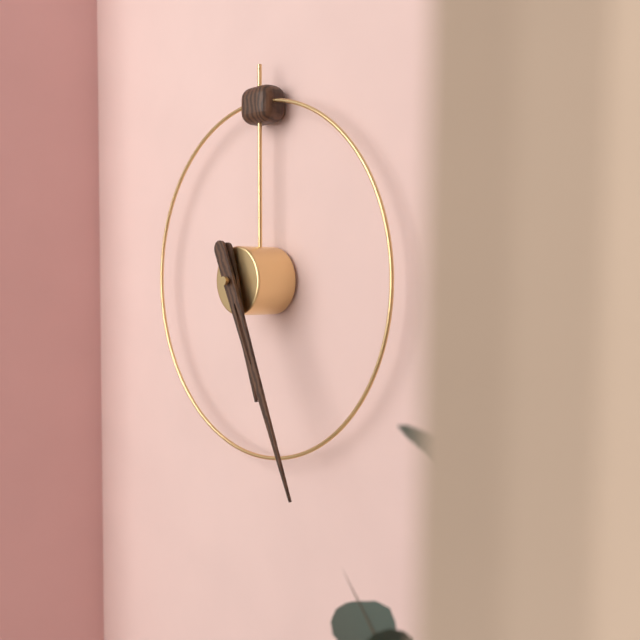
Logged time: 5,26
